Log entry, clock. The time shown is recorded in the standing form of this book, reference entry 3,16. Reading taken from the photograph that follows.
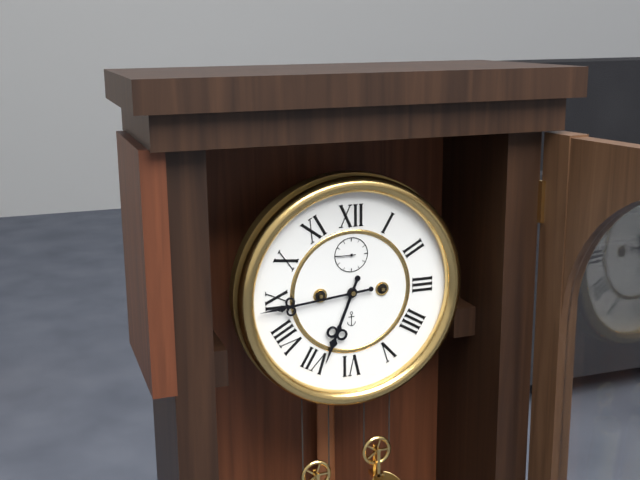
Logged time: 6,44
